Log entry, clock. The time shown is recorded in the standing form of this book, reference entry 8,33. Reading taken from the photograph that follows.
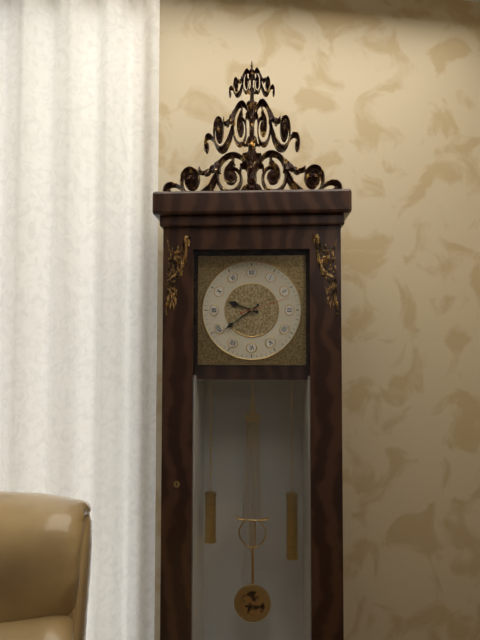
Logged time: 9,39
